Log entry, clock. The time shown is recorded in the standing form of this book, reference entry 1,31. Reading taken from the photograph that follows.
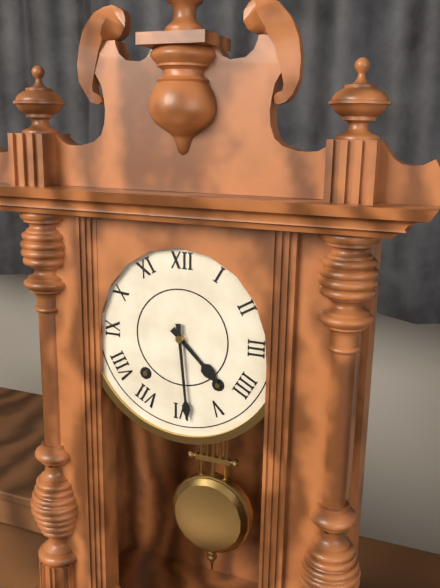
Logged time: 4,29
